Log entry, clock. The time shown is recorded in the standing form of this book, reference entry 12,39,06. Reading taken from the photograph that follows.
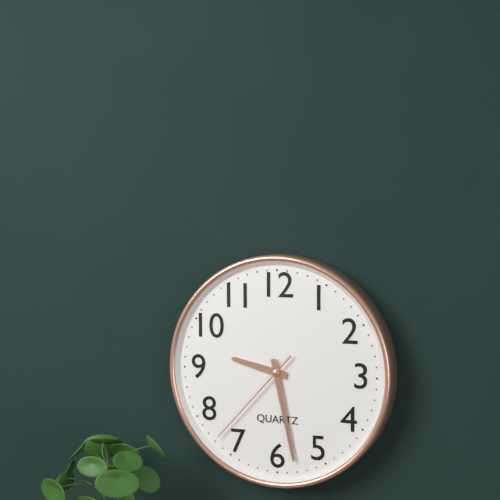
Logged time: 9,28,37
